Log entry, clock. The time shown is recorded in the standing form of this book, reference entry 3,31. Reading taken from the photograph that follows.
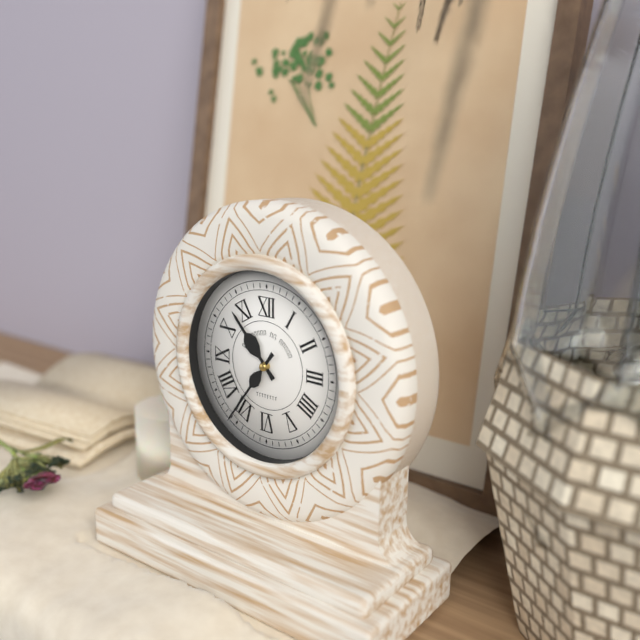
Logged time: 10,36
